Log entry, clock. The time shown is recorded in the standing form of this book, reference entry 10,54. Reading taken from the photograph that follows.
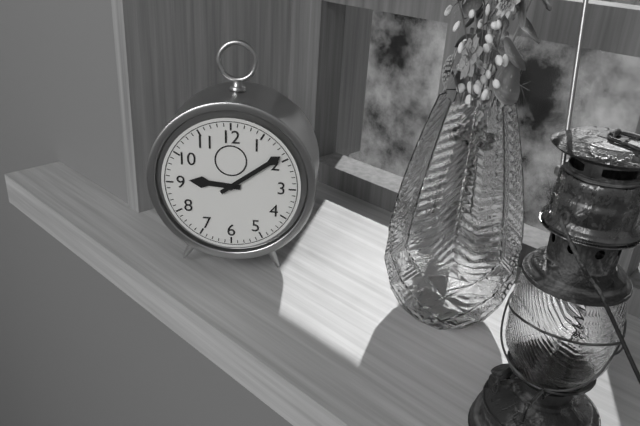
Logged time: 9,09
